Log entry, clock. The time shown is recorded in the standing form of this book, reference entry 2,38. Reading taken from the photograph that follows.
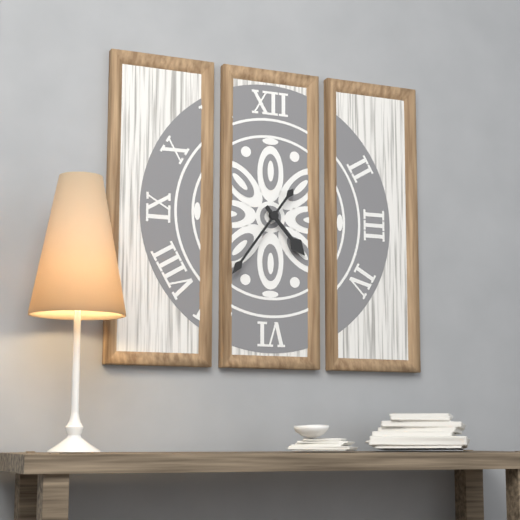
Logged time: 4,36
